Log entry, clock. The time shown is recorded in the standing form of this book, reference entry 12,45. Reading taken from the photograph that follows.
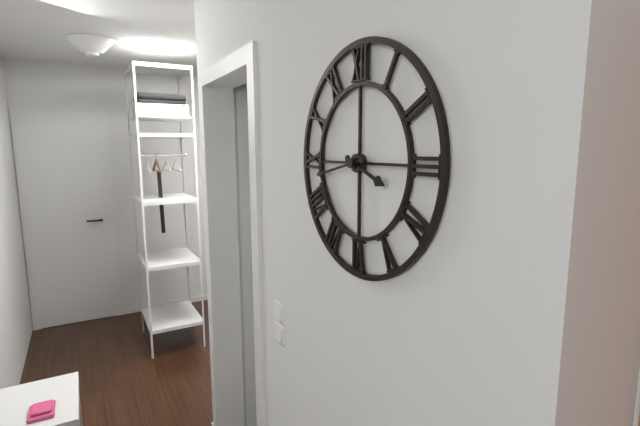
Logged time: 3,43
